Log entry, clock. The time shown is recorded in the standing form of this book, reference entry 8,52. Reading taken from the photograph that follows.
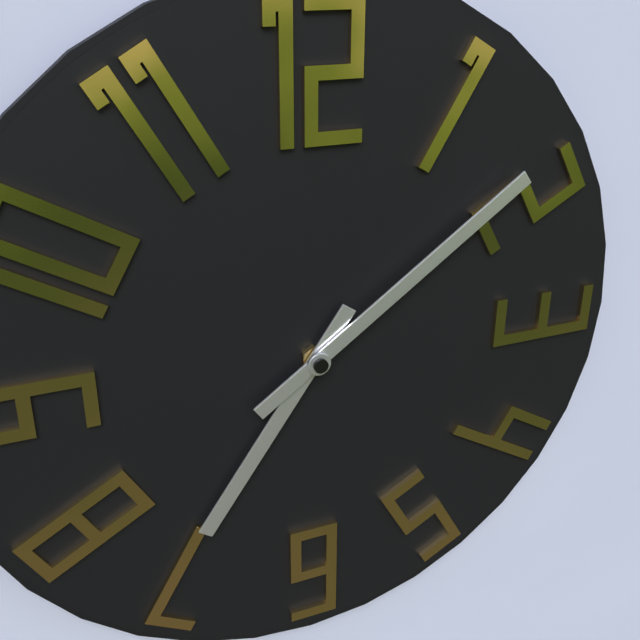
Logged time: 7,09
